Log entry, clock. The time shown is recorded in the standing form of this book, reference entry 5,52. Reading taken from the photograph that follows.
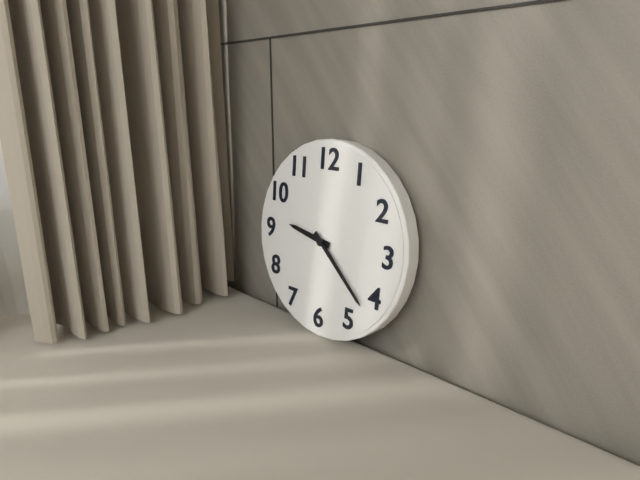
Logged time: 9,22
